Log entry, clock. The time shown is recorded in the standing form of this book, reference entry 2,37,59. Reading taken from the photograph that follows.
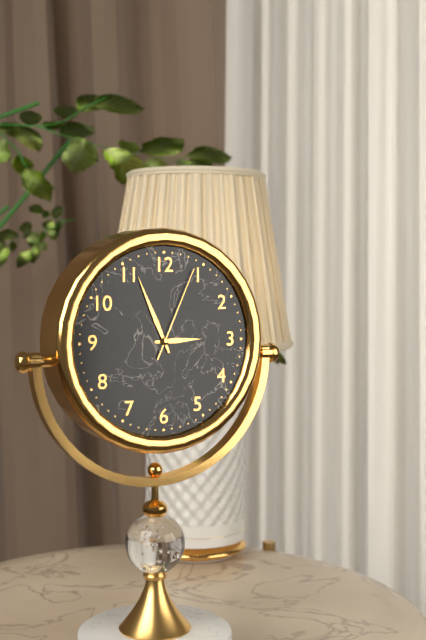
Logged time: 2,56,04
